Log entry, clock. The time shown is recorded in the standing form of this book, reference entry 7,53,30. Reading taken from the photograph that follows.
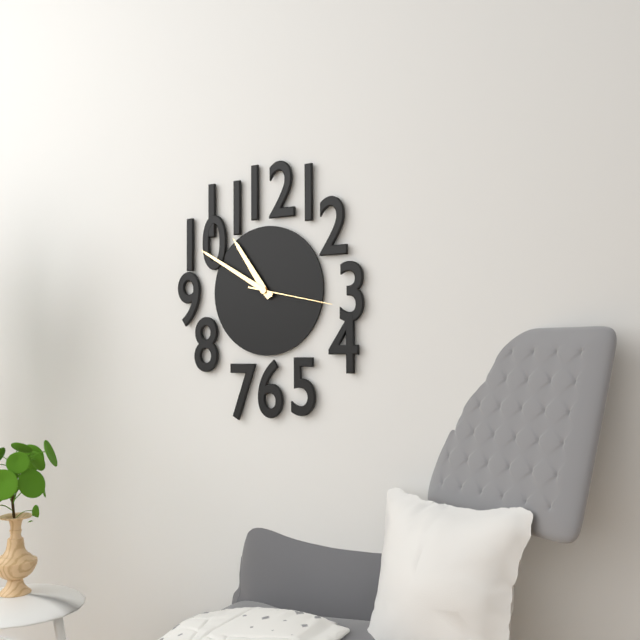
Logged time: 10,50,17
